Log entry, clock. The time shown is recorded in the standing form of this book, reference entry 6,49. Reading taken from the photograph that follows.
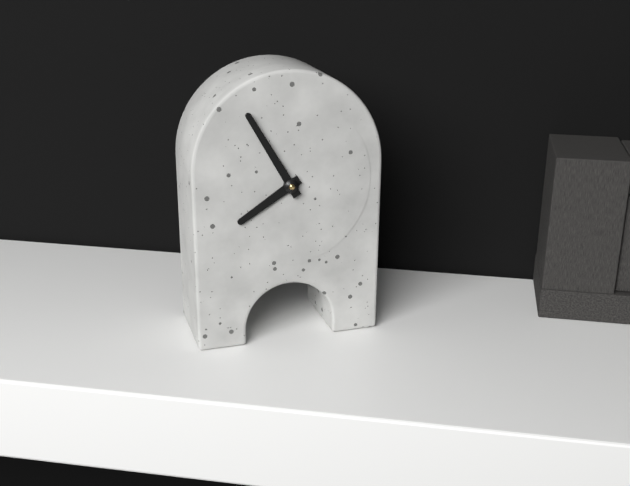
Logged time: 7,55
